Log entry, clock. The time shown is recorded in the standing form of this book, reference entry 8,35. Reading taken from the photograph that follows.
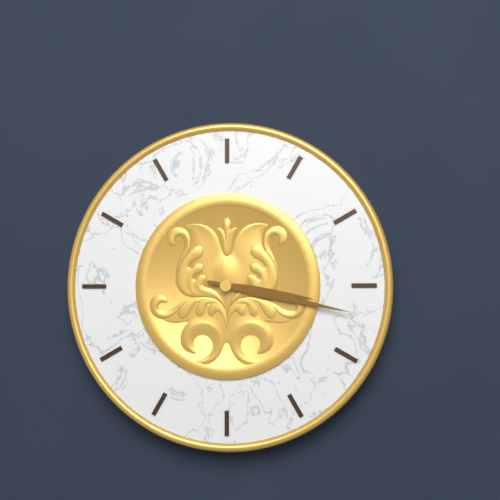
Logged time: 3,17
